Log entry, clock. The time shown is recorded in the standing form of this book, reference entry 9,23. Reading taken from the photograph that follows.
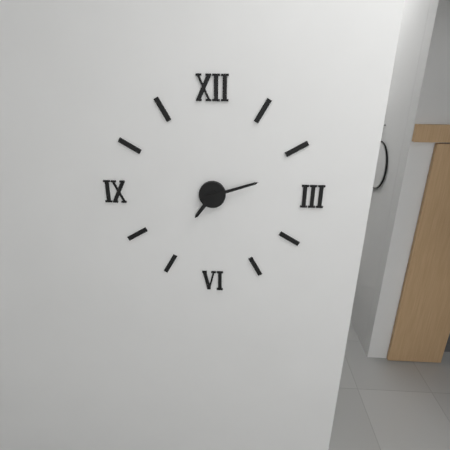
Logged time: 7,12
